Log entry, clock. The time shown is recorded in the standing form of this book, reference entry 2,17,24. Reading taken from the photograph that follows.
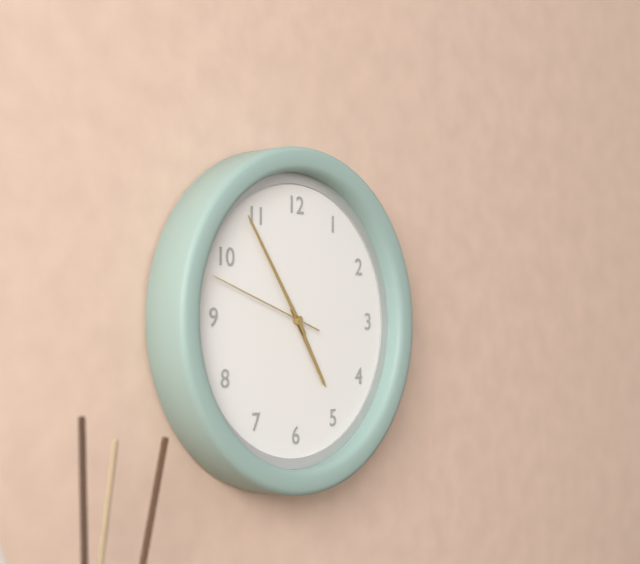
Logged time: 4,54,48
